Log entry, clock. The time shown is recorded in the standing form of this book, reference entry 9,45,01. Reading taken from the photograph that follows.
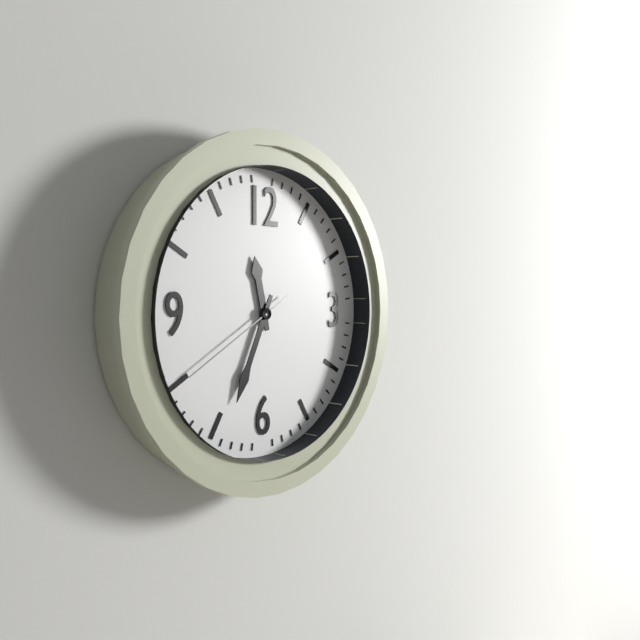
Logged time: 11,34,40
